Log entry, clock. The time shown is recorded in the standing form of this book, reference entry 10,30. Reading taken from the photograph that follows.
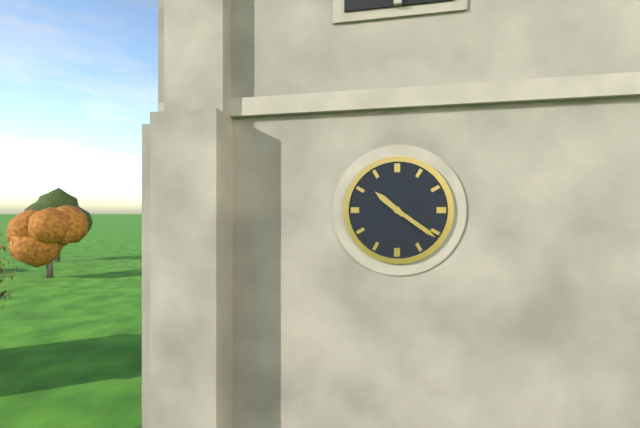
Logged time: 10,21
